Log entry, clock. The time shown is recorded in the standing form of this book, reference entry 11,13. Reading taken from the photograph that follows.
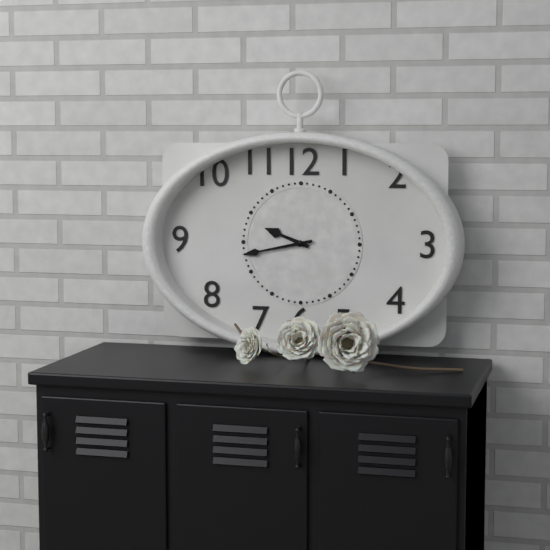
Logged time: 9,43
